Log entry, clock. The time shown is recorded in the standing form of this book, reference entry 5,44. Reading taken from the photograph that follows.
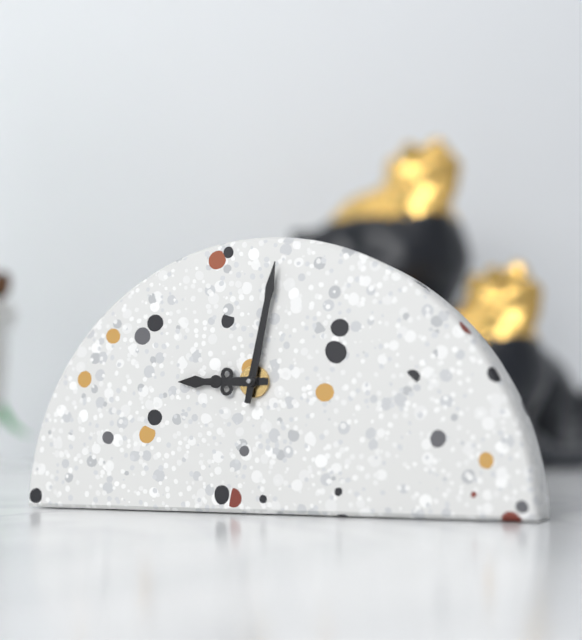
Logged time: 9,02
